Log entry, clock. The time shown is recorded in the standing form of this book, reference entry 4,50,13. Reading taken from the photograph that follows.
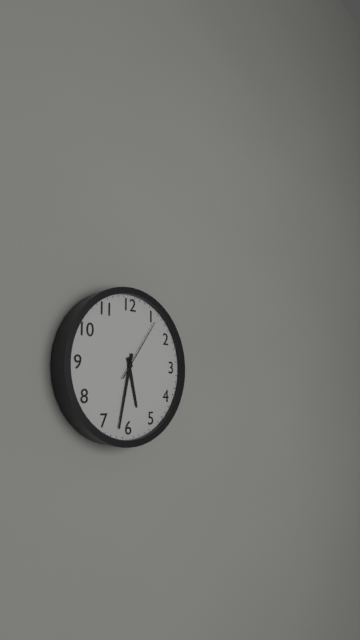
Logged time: 5,32,06
